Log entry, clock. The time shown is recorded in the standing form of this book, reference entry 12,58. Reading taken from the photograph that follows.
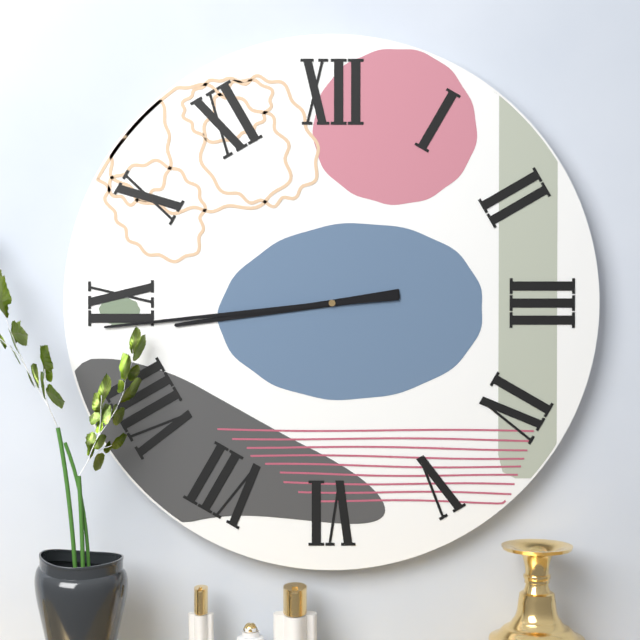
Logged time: 8,44
